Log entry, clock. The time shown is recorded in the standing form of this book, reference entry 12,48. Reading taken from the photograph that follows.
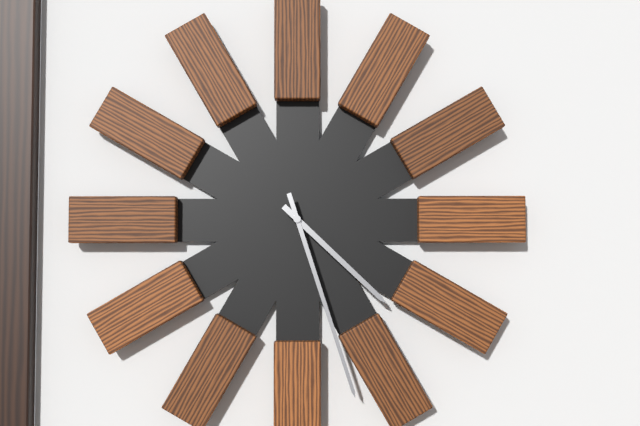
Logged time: 4,27
